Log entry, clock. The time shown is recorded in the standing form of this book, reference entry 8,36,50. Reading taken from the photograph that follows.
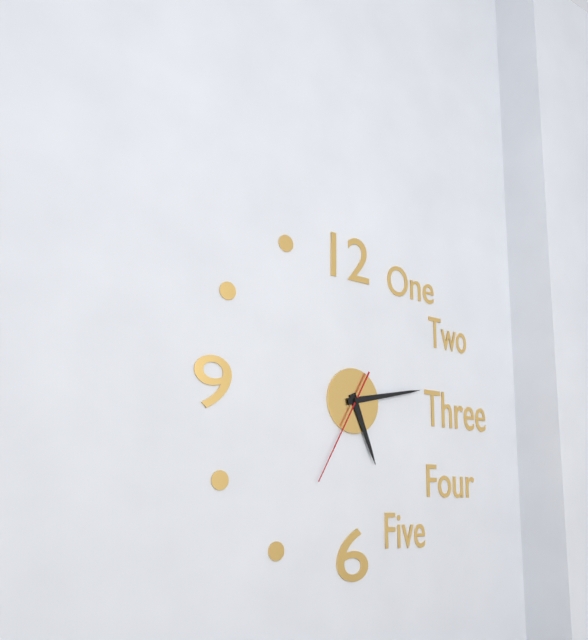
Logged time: 5,13,35
